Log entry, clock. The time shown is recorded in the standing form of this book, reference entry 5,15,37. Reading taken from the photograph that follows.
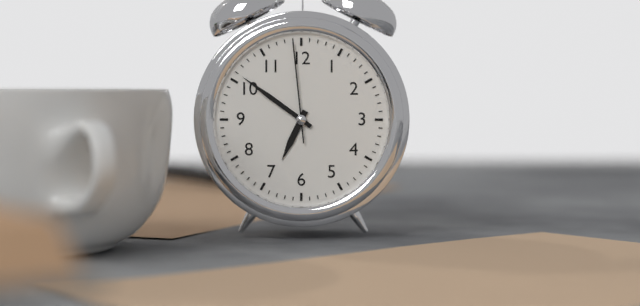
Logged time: 6,51,59
